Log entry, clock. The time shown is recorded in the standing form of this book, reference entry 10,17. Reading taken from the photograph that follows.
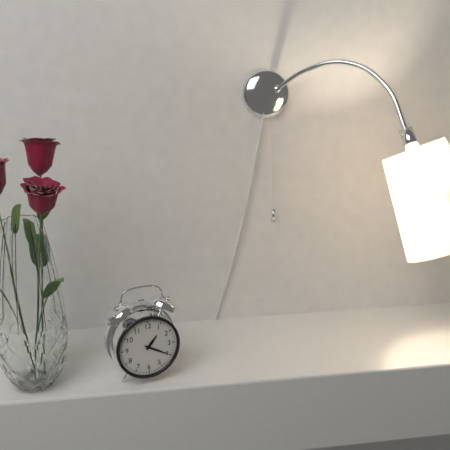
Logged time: 1,20
